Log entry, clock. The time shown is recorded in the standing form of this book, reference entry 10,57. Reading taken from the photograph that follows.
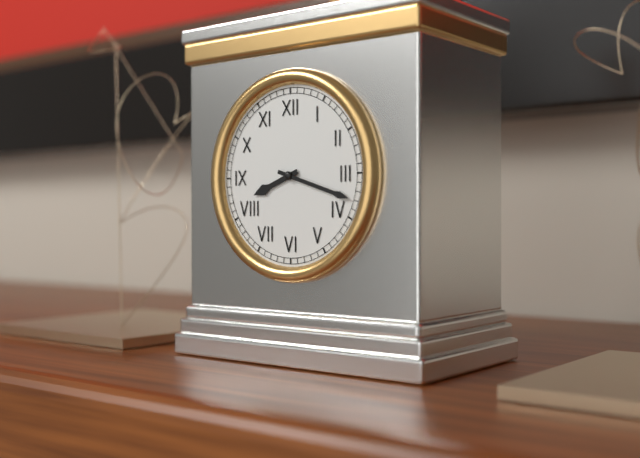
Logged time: 8,18
